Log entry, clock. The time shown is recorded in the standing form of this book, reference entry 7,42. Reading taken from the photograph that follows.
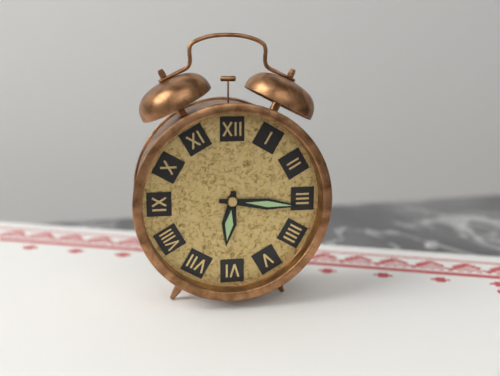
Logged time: 6,16
